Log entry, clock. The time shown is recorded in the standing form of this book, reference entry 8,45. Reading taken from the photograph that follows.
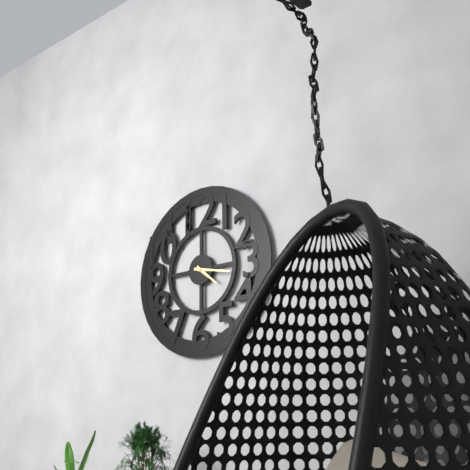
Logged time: 4,17
